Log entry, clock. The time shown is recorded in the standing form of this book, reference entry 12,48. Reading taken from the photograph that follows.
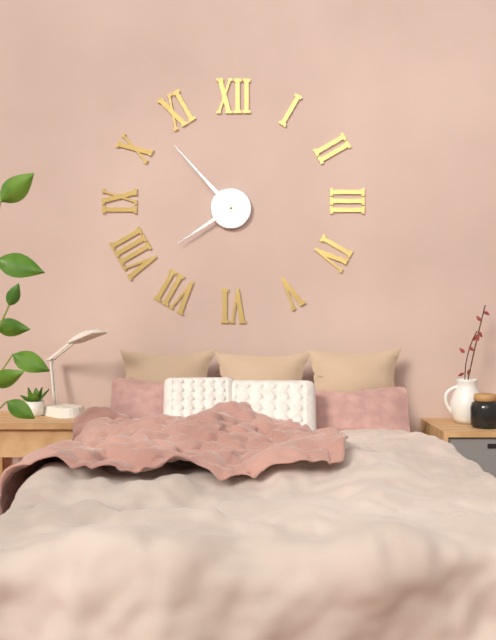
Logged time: 7,53
